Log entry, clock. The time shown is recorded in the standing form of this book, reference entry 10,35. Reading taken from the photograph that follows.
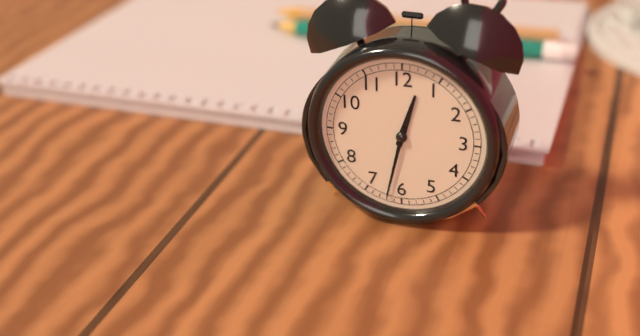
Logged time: 12,32
